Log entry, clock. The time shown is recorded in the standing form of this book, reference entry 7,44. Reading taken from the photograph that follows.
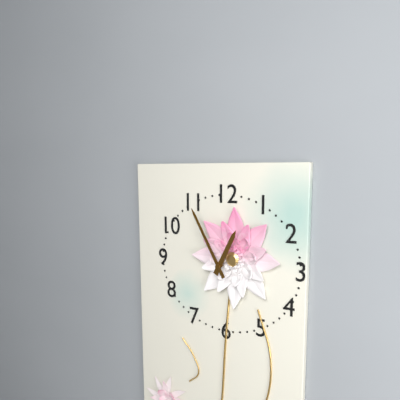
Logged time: 12,55
